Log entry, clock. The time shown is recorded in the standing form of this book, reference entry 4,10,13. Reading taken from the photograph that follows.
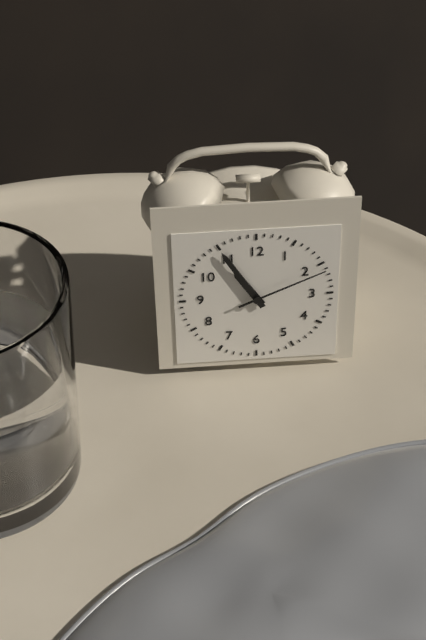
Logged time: 10,55,11
